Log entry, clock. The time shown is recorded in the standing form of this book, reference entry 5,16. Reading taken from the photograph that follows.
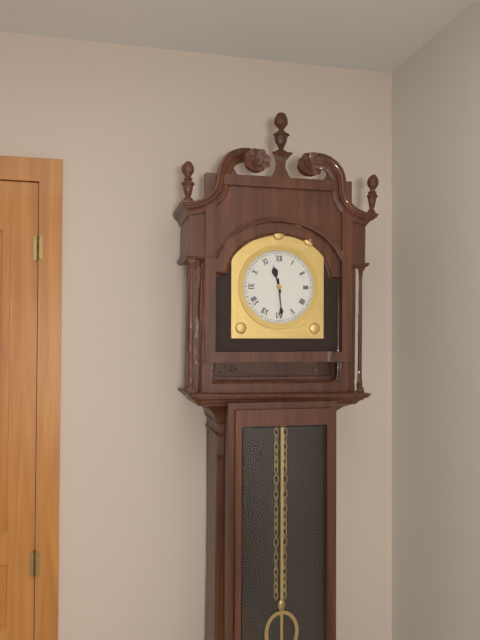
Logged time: 11,29
